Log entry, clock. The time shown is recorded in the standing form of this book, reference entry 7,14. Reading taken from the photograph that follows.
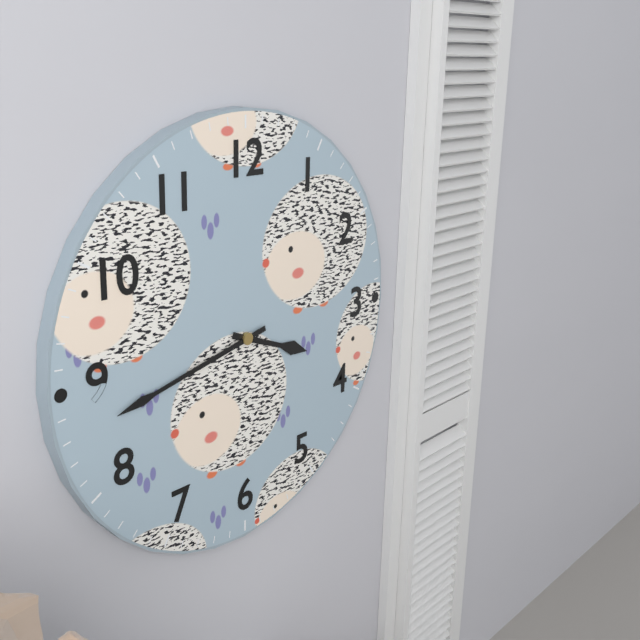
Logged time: 3,43
